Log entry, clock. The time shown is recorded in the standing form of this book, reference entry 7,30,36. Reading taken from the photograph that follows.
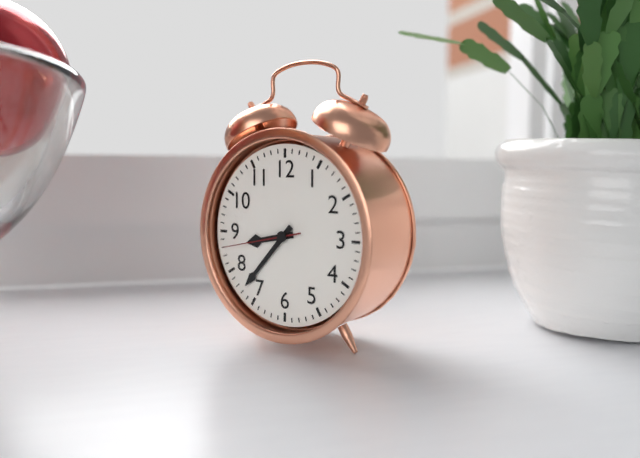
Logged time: 8,37,43
